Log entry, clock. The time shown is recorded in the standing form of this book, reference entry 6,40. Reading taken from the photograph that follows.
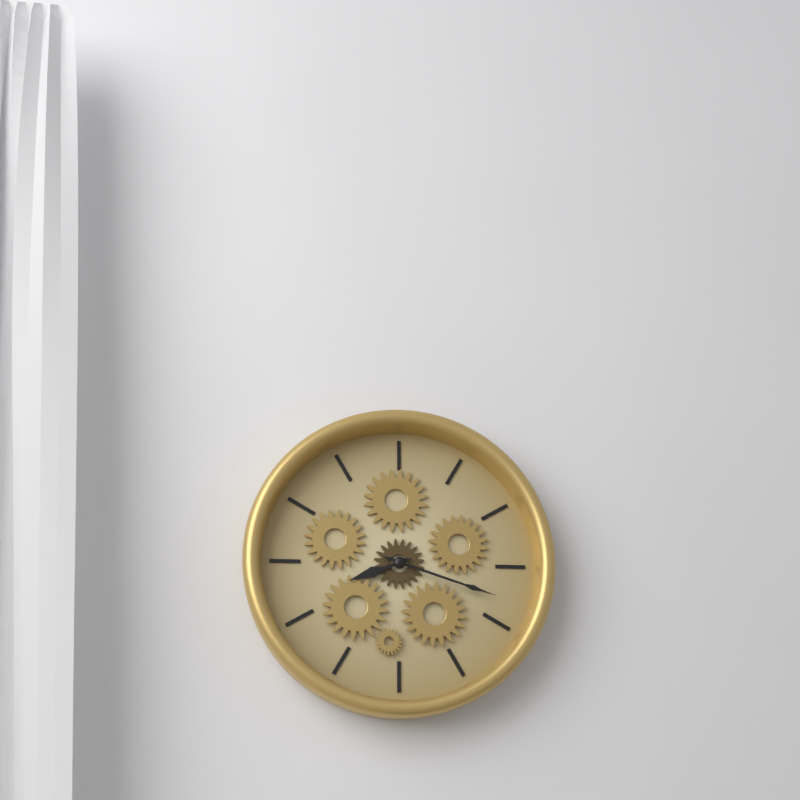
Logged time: 8,18
